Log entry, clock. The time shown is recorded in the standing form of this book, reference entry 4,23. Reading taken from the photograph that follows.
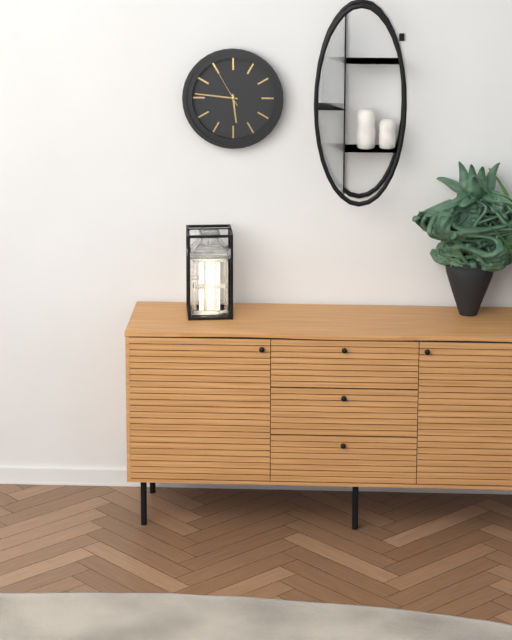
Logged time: 5,46
